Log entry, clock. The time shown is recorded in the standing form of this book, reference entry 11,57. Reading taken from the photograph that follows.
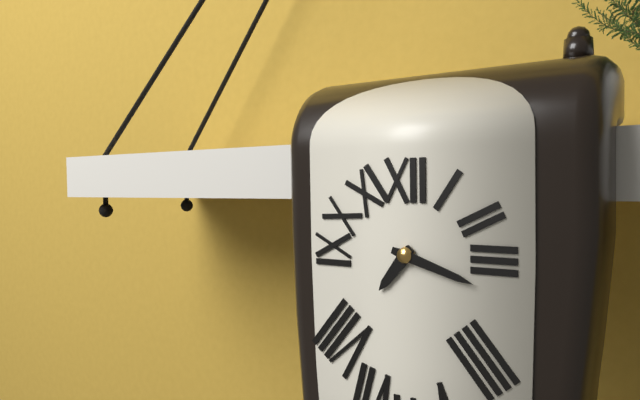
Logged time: 7,18
